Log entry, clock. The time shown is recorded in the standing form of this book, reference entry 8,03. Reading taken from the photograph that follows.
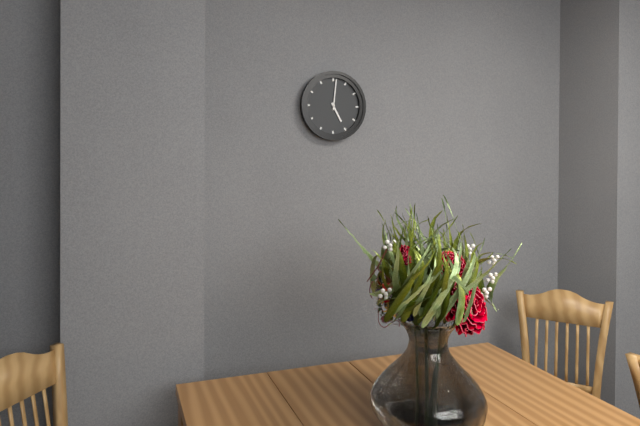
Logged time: 5,01
